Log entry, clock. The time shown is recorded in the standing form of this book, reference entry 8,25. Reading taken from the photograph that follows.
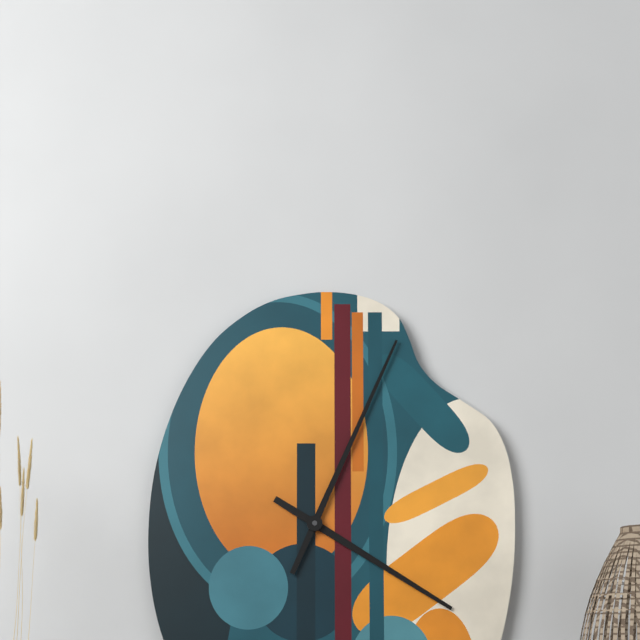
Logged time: 4,04
